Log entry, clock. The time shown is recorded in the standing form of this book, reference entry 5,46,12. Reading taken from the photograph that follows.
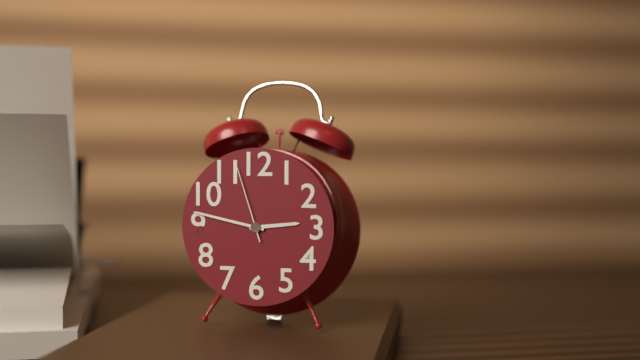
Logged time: 2,47,57
